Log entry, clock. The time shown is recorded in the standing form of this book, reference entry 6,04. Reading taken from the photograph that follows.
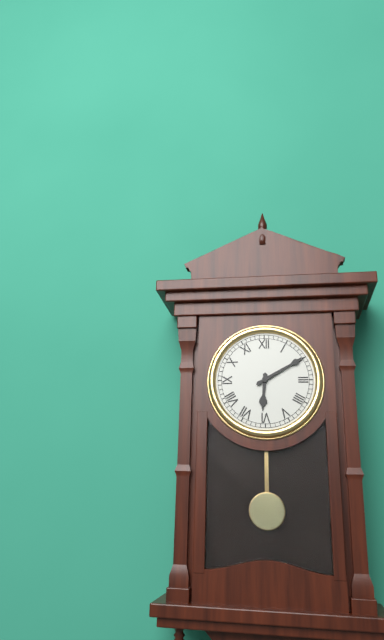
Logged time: 6,10
